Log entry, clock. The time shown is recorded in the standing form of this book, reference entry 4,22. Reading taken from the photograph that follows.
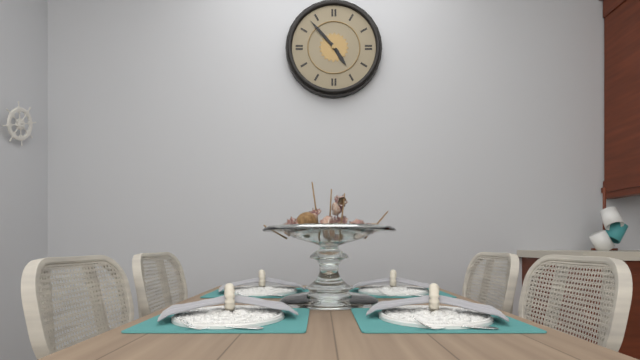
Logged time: 4,53
